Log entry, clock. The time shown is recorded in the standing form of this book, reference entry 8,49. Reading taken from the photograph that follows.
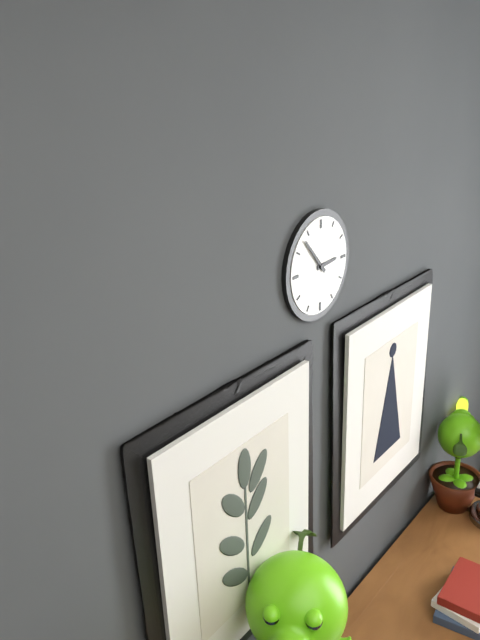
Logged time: 2,53
